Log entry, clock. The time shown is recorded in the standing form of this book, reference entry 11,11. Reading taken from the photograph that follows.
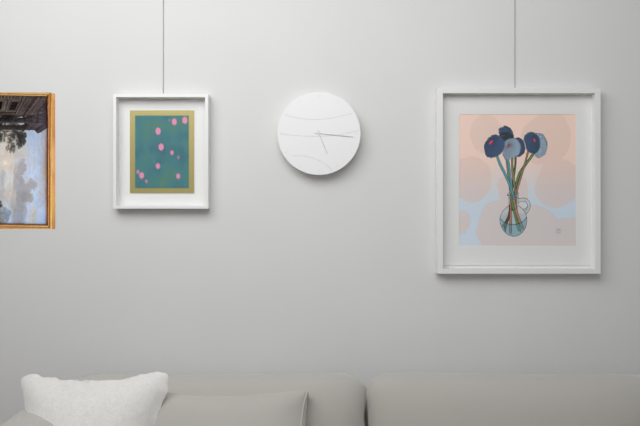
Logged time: 5,16
